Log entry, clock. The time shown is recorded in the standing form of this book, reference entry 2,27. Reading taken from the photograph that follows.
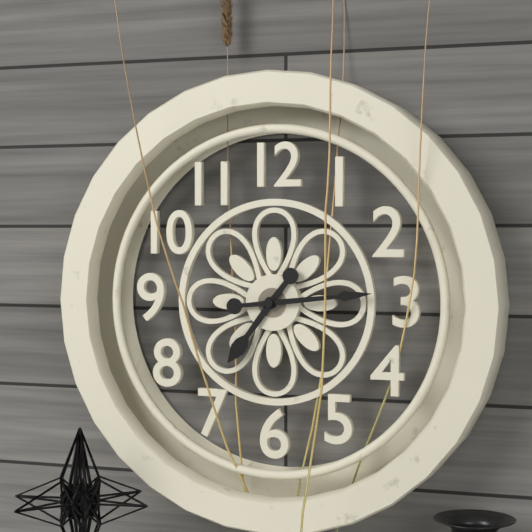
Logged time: 7,14
